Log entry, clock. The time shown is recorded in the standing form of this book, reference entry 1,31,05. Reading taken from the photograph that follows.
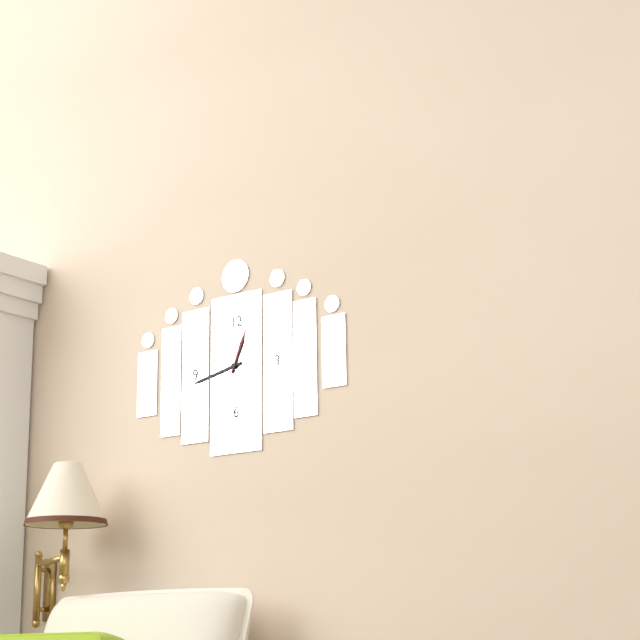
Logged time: 12,43,04
